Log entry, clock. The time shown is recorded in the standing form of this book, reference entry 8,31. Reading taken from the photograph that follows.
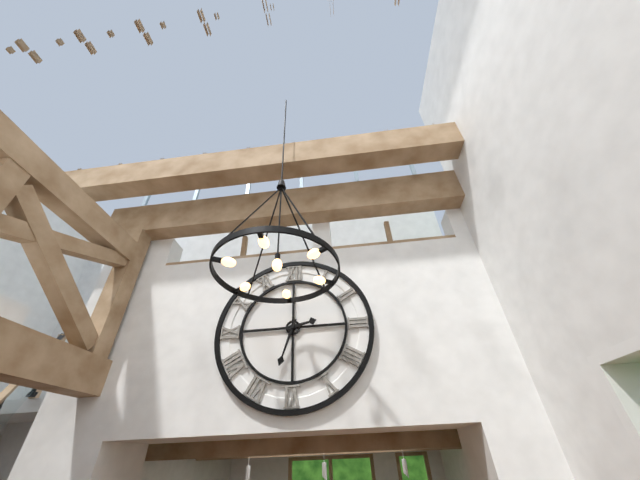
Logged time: 2,33
